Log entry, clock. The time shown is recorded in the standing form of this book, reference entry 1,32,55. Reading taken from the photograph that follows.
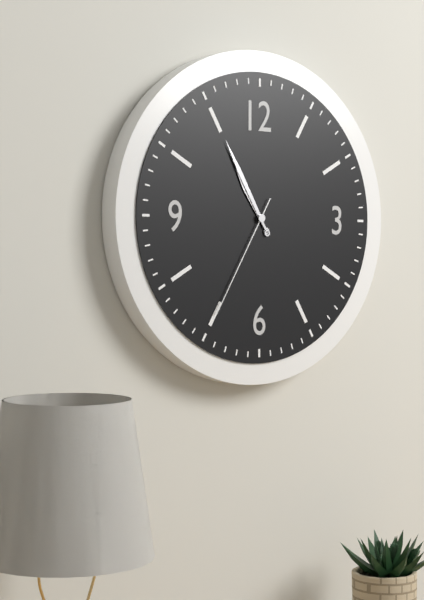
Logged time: 10,55,35
